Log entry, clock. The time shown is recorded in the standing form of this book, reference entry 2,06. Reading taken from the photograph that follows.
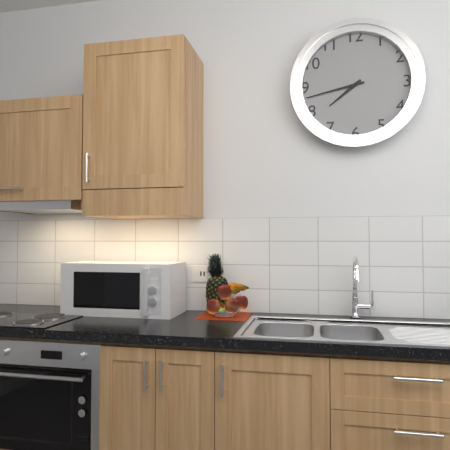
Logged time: 7,43
